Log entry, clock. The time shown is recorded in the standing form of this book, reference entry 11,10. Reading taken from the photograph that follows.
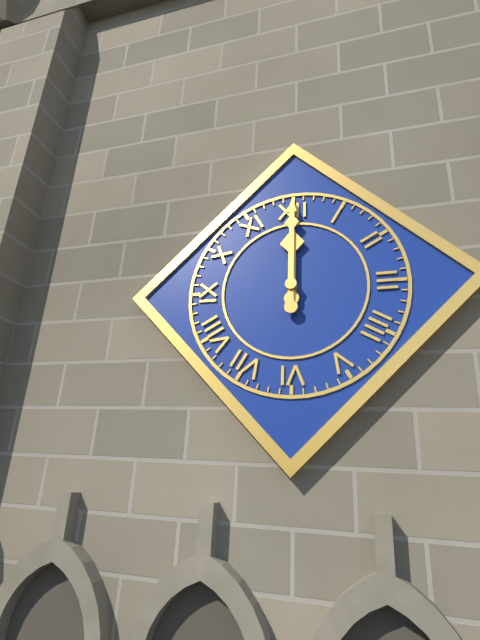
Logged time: 12,00
